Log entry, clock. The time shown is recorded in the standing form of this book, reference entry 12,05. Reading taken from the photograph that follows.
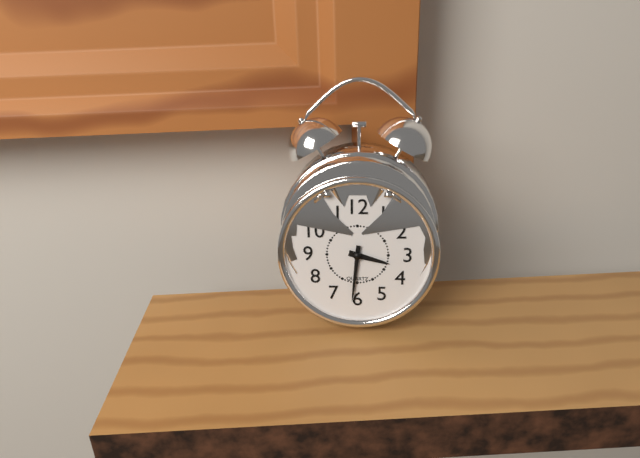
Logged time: 3,31
